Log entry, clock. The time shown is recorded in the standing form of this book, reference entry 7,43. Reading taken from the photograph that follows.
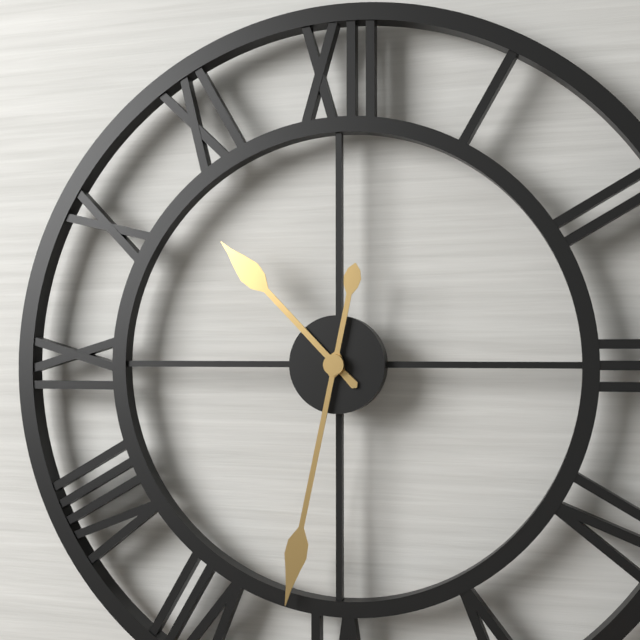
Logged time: 10,32
